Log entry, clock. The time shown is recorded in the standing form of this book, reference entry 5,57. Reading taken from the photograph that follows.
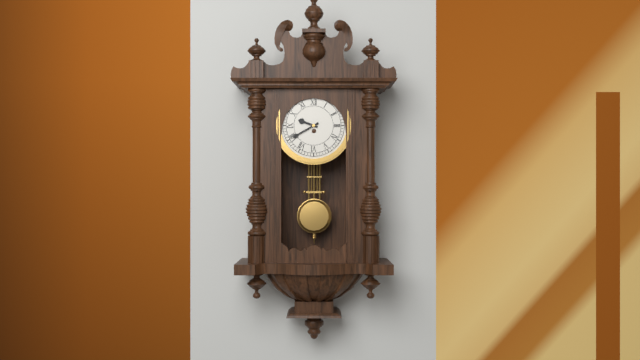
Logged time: 9,40
